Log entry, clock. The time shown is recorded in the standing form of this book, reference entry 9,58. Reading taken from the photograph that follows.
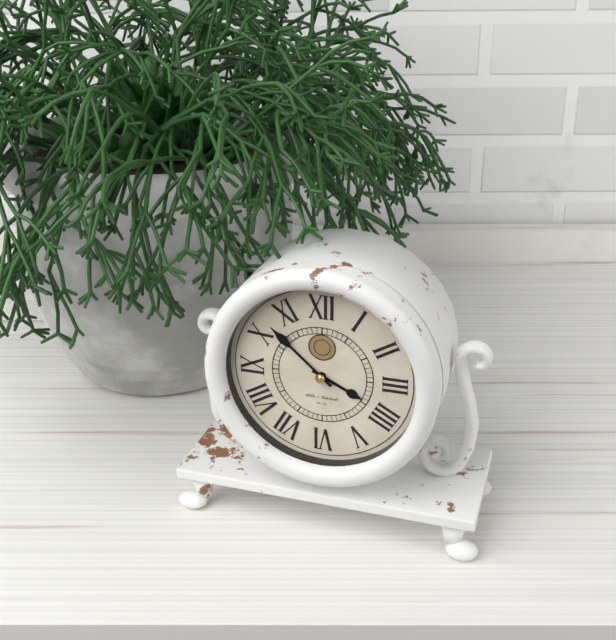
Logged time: 3,52
